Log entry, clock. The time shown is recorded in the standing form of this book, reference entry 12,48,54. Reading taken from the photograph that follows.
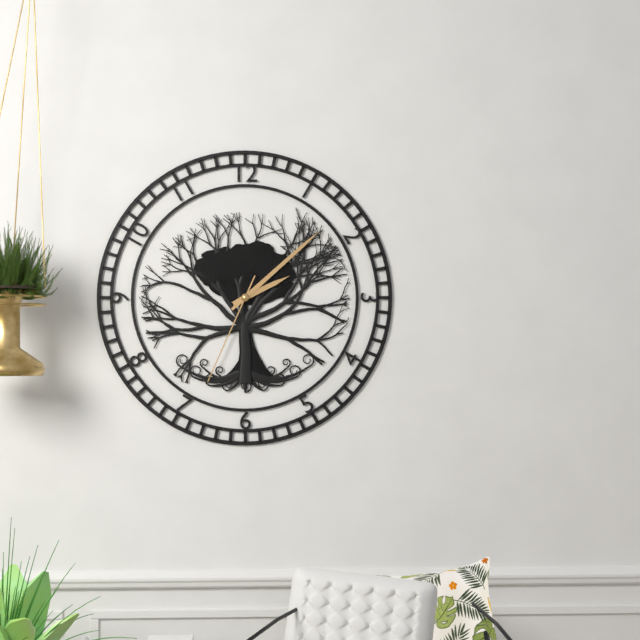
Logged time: 2,08,34
